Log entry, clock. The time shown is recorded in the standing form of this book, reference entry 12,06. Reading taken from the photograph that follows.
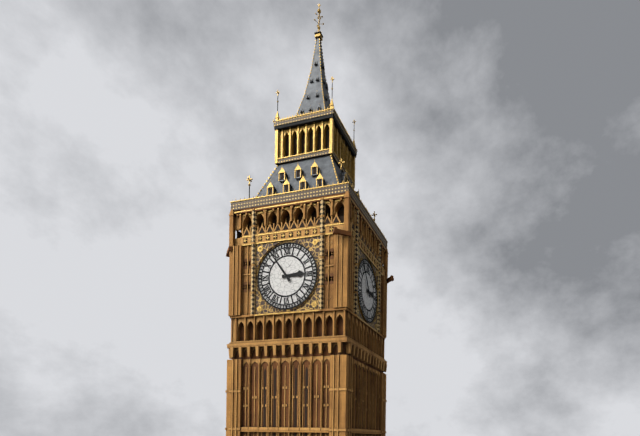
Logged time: 2,54
